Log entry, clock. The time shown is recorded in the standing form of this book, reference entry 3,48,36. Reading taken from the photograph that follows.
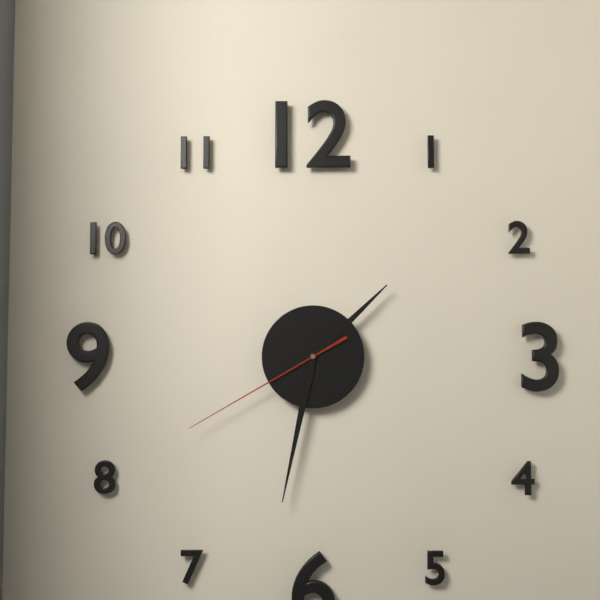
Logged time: 1,32,40
